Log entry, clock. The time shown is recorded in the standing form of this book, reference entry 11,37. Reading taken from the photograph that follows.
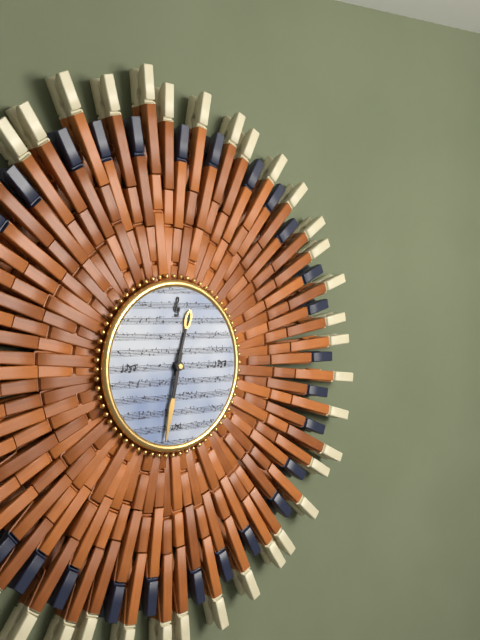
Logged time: 12,32
